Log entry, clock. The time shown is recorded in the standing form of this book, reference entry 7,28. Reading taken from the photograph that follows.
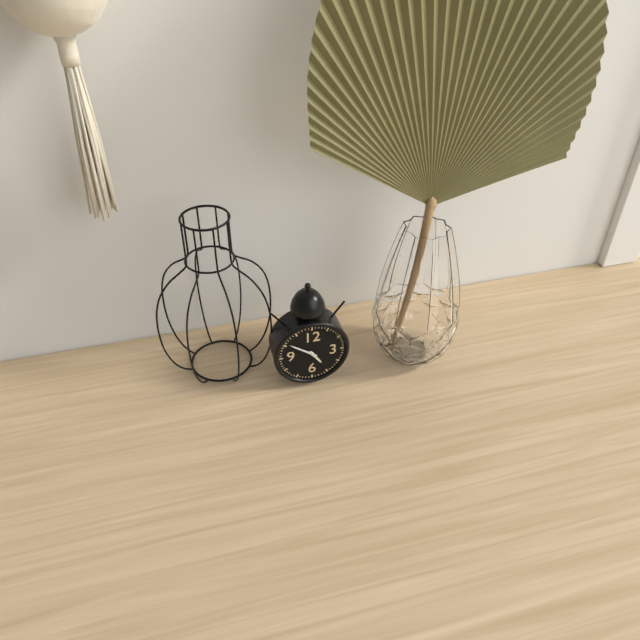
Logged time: 4,51
